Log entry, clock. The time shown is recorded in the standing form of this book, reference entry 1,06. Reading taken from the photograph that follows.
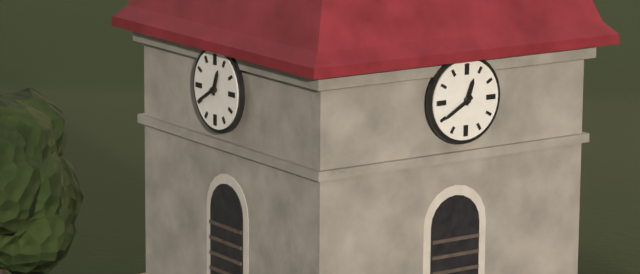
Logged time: 12,40
